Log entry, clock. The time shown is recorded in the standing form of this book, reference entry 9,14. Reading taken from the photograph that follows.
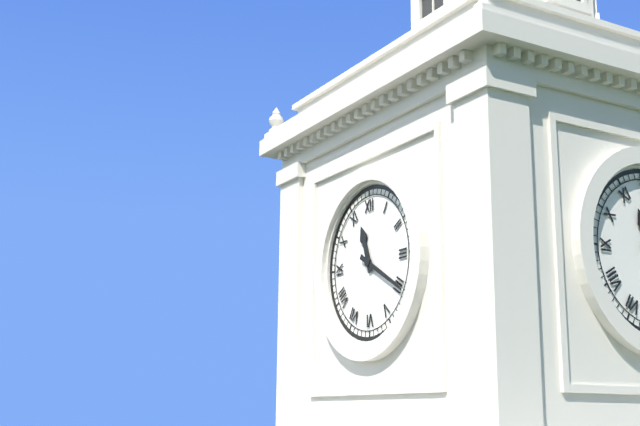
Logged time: 11,20
